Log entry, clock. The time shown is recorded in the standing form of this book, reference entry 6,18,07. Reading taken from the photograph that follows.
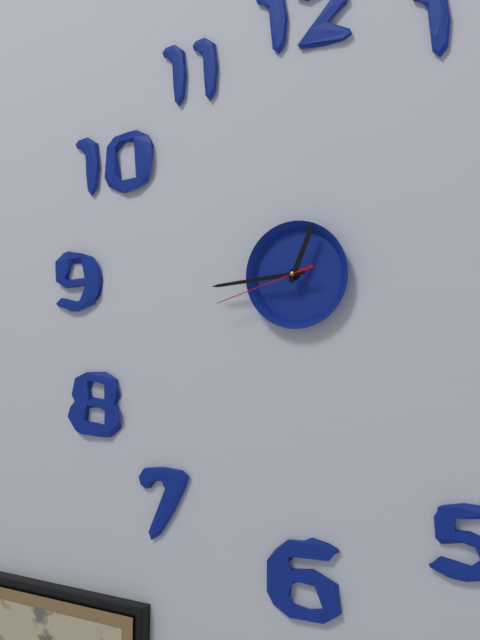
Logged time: 12,44,42
